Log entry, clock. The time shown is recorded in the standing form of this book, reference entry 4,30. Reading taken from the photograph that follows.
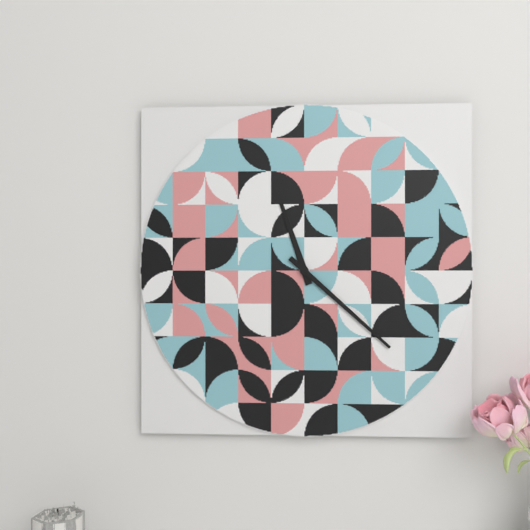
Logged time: 11,22
